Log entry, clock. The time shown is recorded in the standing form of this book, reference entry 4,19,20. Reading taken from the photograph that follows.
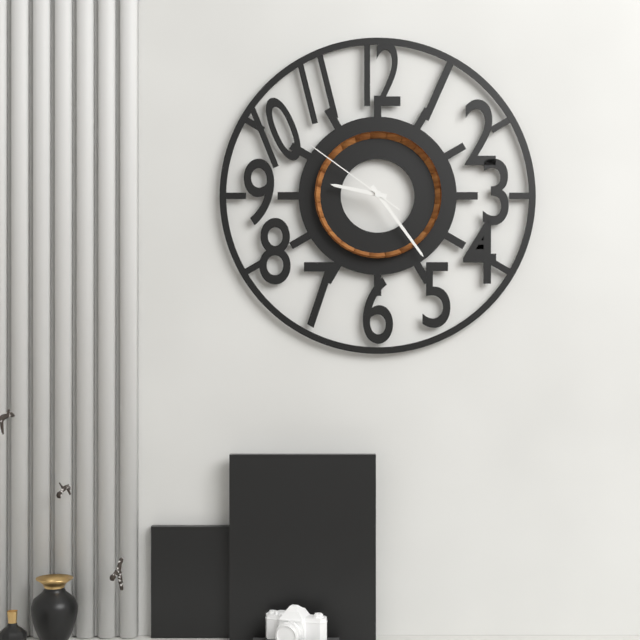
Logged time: 9,24,51
